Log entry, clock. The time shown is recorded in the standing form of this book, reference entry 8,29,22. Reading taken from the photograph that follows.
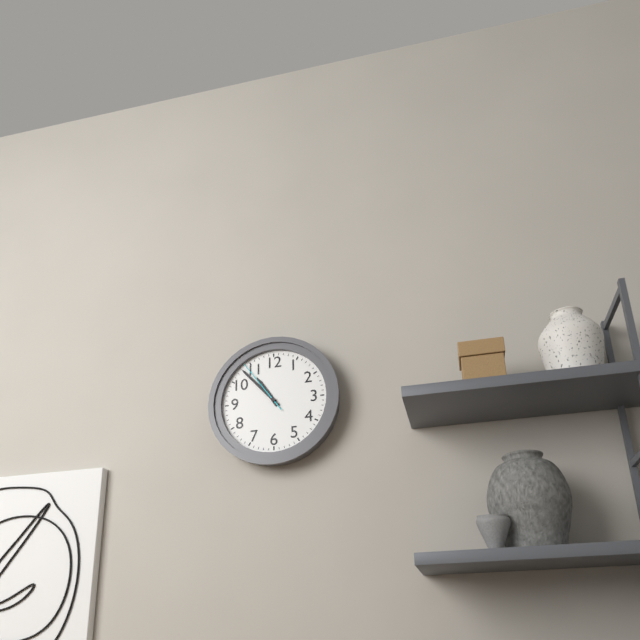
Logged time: 10,53,54
